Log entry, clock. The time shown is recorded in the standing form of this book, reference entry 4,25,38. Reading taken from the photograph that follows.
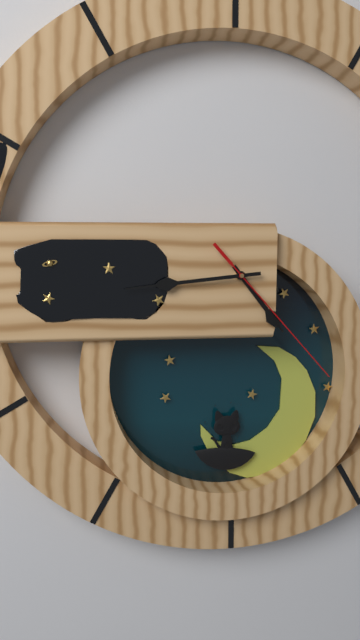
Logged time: 4,44,23
